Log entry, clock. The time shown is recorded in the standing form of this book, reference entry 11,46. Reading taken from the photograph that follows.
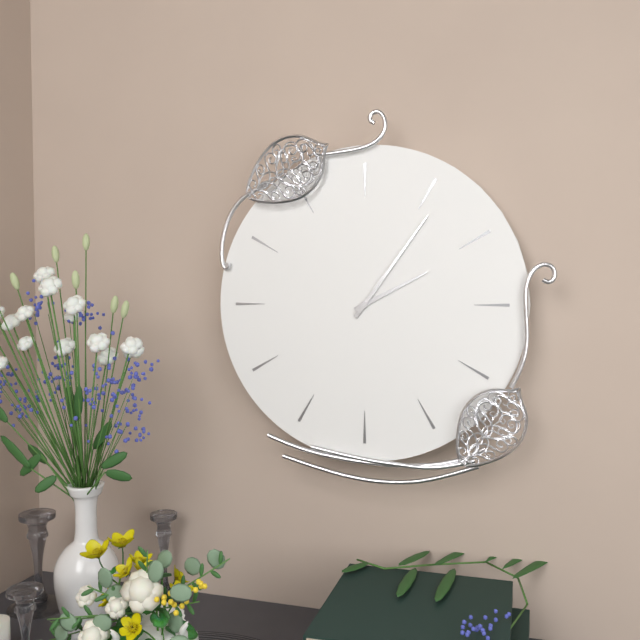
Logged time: 2,06
